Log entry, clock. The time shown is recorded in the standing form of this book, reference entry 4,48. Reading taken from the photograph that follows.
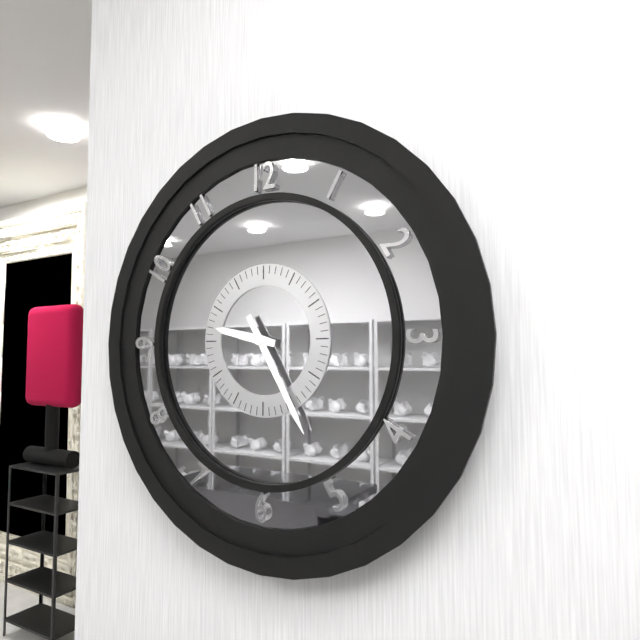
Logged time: 9,25
